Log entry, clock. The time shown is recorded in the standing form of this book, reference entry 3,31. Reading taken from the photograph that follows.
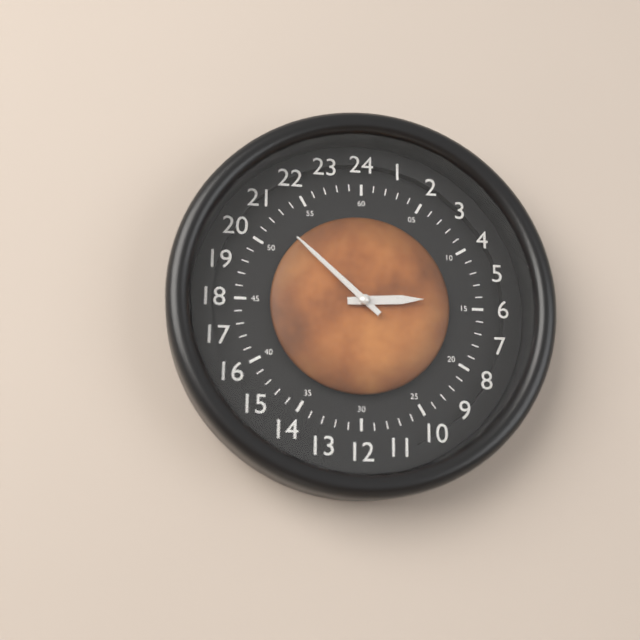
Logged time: 2,52
